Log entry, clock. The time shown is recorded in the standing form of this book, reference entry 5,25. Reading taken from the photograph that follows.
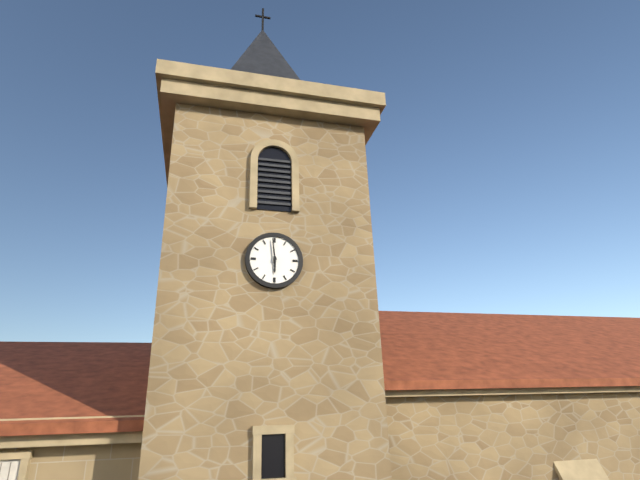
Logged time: 5,59
